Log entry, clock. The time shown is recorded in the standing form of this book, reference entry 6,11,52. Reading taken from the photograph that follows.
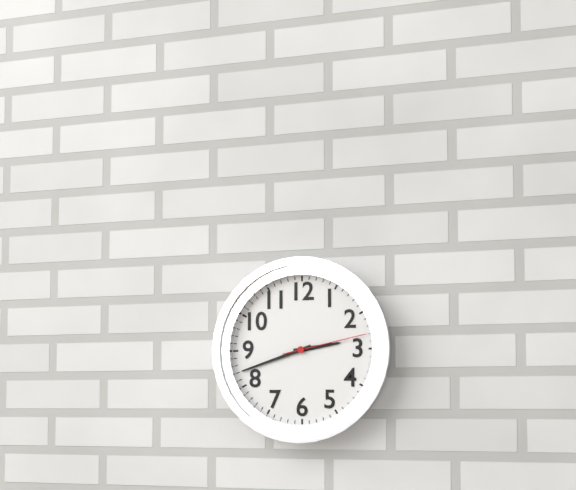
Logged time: 2,42,13
